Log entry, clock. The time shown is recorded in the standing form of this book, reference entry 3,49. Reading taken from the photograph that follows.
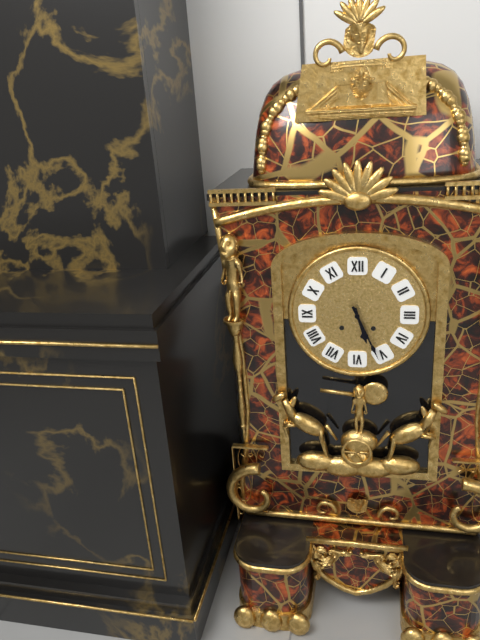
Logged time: 5,26
